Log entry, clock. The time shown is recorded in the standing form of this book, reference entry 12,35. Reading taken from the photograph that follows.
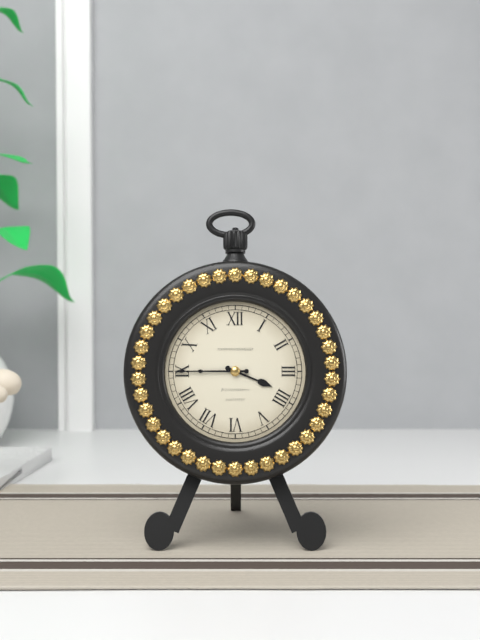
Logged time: 3,45
